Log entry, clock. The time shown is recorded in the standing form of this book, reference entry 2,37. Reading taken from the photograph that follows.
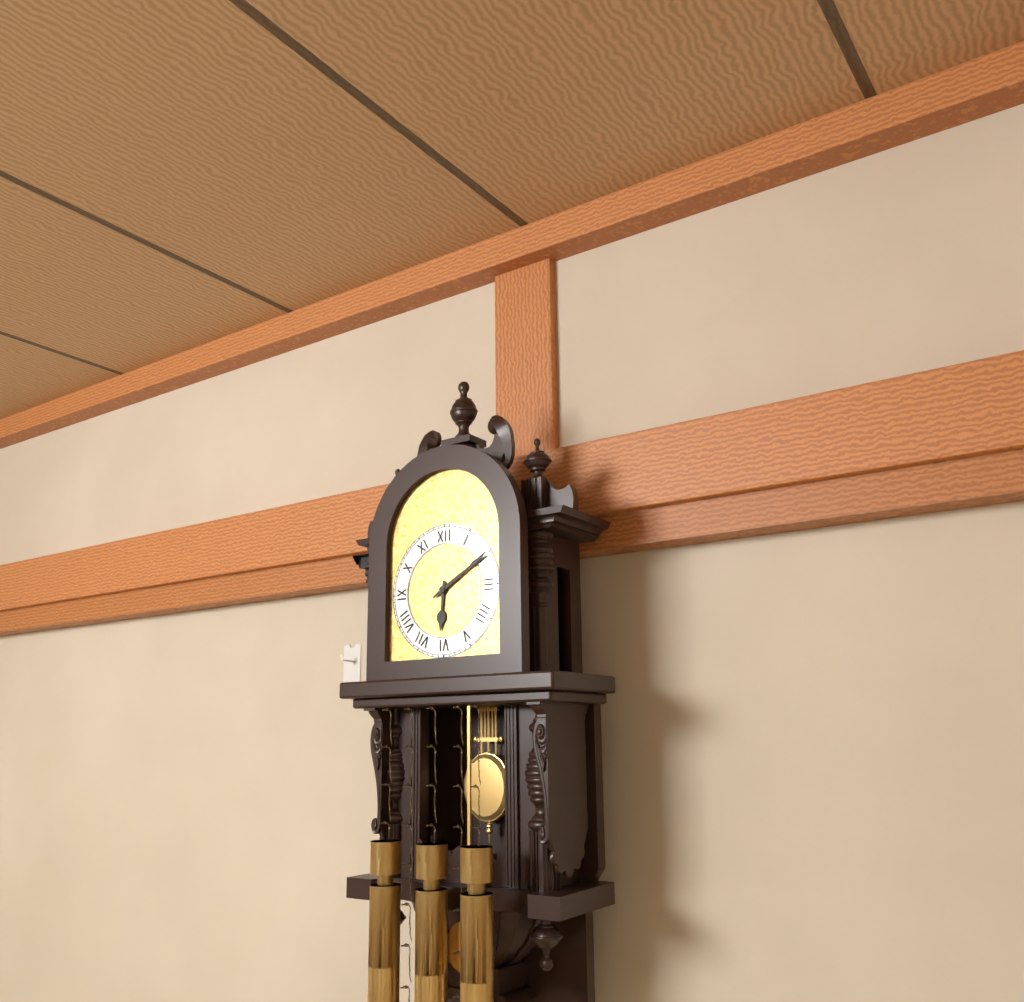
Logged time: 6,10
